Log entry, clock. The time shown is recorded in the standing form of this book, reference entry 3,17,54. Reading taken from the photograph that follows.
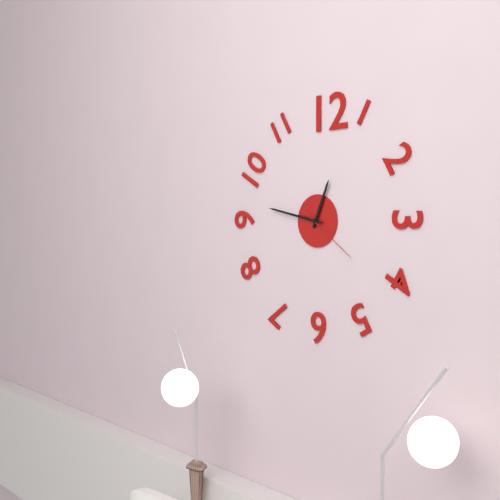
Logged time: 12,47,21
